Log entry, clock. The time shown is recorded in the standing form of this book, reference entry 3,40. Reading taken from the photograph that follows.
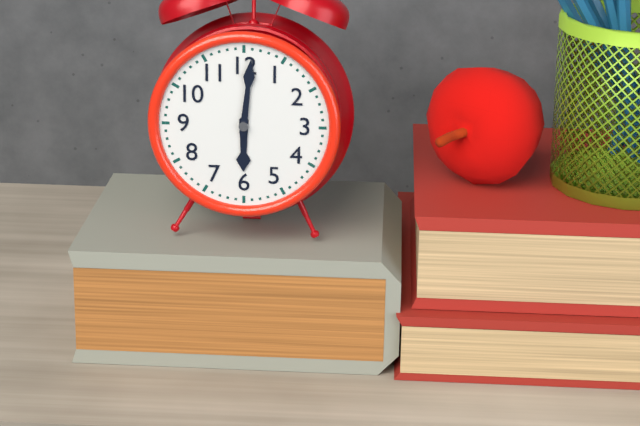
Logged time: 6,01
